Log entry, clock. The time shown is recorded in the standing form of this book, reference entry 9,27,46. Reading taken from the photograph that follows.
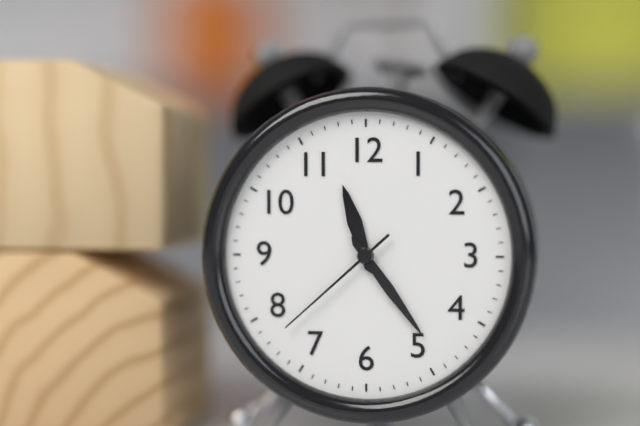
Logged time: 11,24,38
